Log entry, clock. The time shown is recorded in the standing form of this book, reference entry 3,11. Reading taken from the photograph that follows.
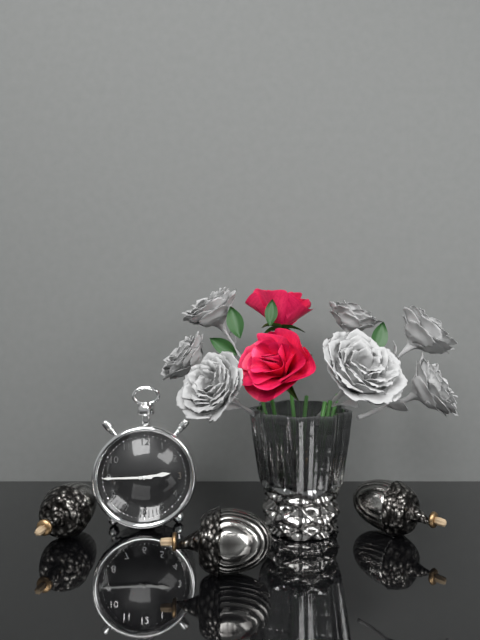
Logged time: 2,45
